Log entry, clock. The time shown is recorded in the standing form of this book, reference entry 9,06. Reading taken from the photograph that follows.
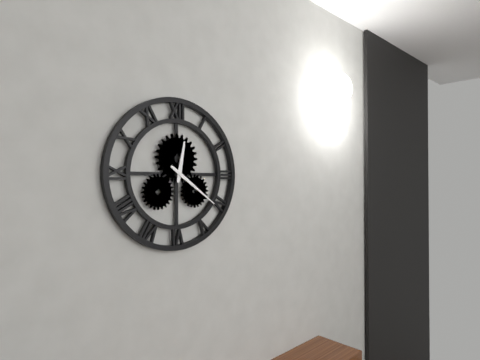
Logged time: 12,21
